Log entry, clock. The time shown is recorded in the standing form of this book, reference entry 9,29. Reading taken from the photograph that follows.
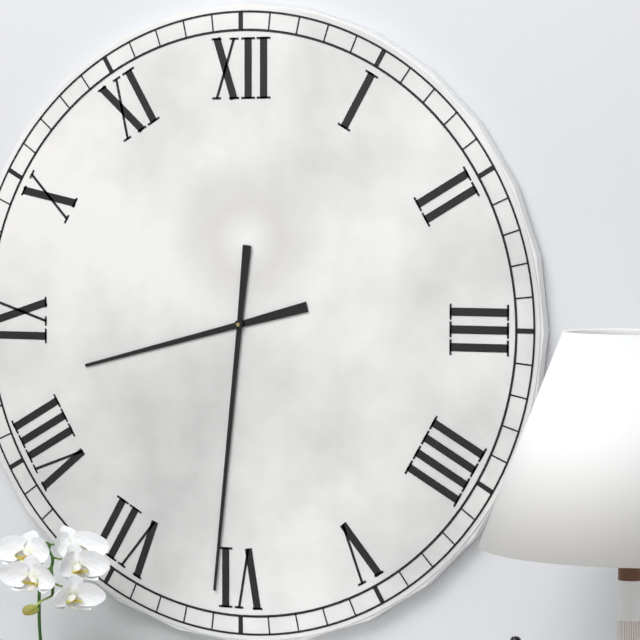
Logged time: 8,31
